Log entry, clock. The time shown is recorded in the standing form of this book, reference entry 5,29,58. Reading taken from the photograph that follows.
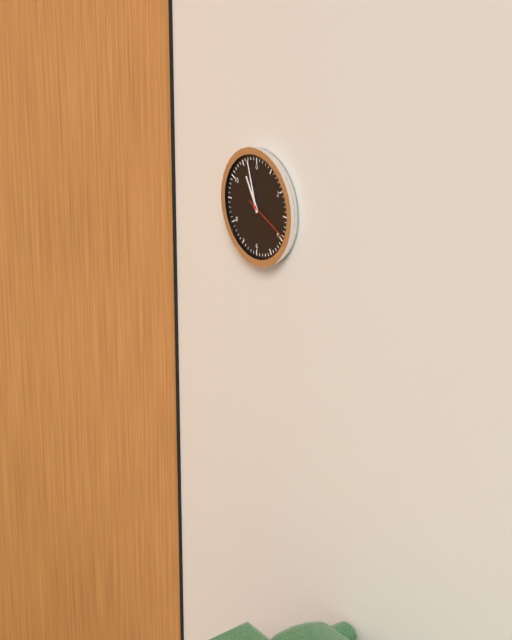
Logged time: 10,57,19
